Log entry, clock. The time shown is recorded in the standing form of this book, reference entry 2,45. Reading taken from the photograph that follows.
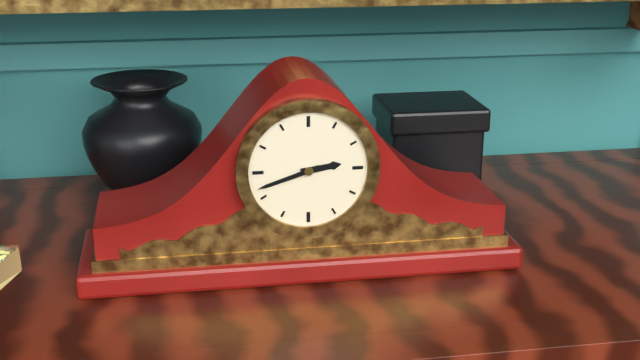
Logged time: 2,42
